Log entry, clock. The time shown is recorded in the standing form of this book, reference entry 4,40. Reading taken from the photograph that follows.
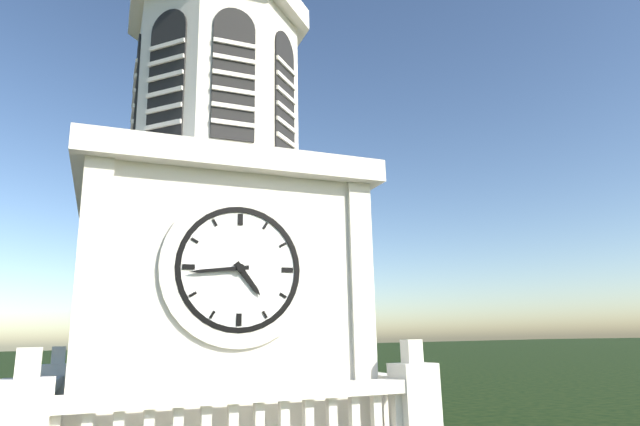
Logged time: 4,44
